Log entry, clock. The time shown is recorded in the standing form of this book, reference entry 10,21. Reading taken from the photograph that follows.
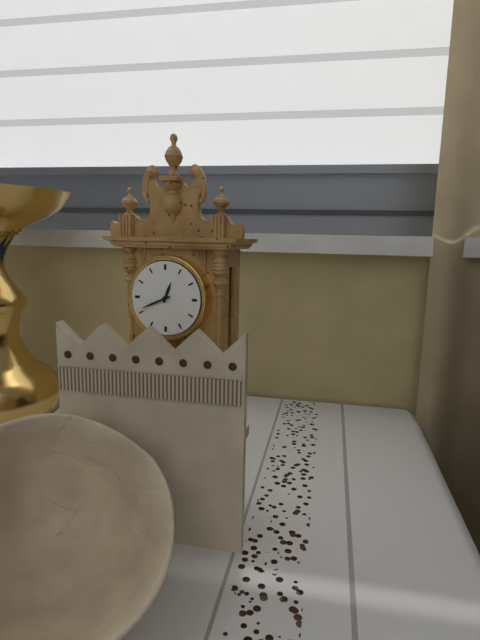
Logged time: 12,41
